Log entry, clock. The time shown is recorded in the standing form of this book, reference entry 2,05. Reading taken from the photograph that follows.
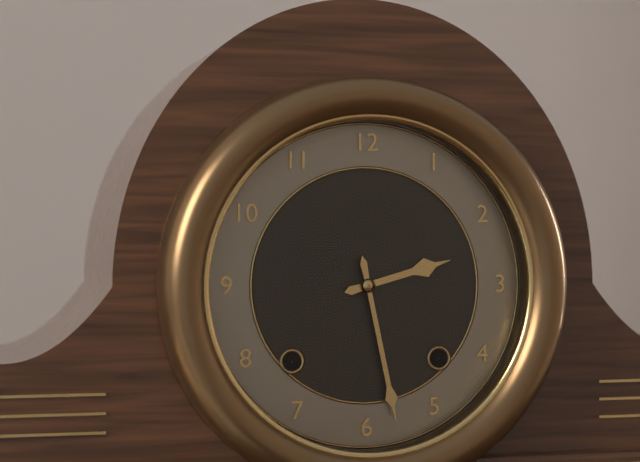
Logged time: 2,28
